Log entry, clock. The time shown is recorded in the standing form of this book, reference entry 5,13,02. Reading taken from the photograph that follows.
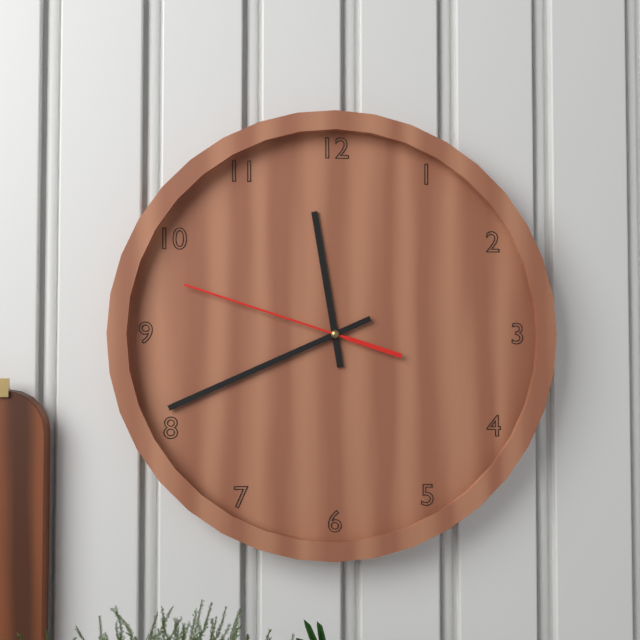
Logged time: 11,41,48
